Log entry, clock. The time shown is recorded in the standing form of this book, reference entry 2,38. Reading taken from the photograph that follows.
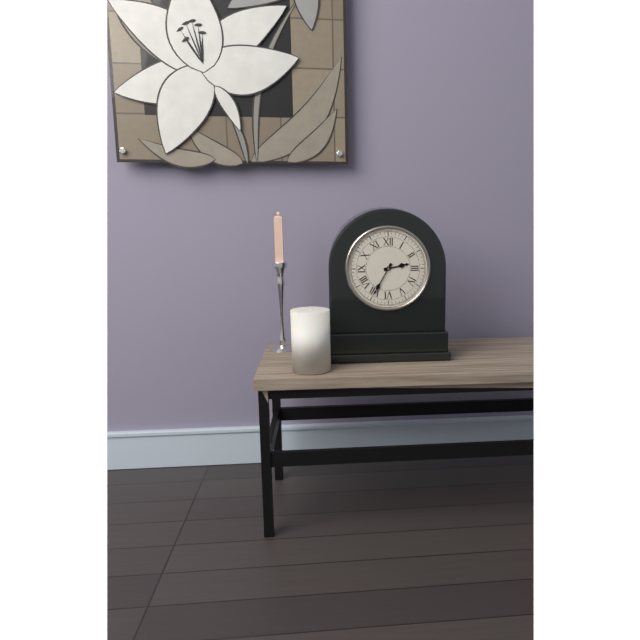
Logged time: 2,35
